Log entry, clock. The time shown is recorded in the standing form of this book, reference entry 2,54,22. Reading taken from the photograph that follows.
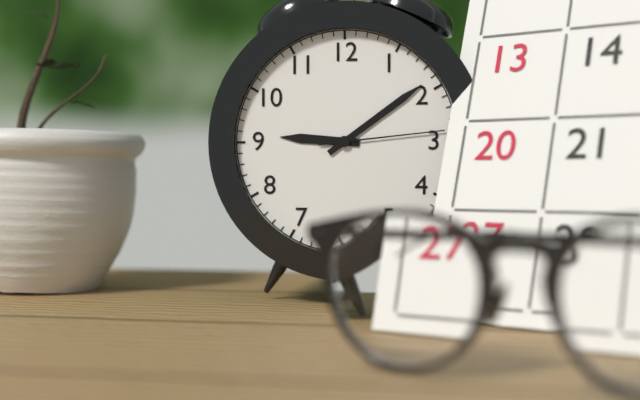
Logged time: 9,09,14
